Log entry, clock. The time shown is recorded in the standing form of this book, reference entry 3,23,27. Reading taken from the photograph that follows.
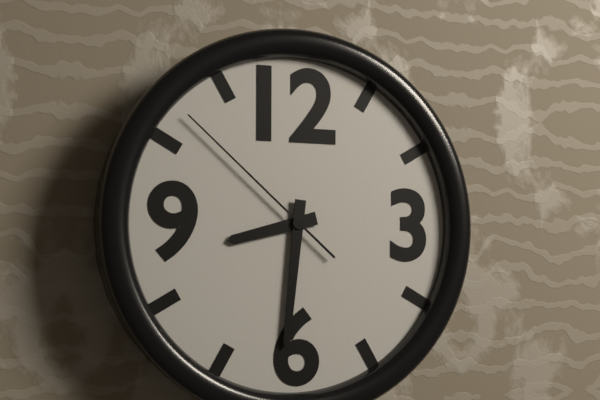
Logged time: 8,31,52
